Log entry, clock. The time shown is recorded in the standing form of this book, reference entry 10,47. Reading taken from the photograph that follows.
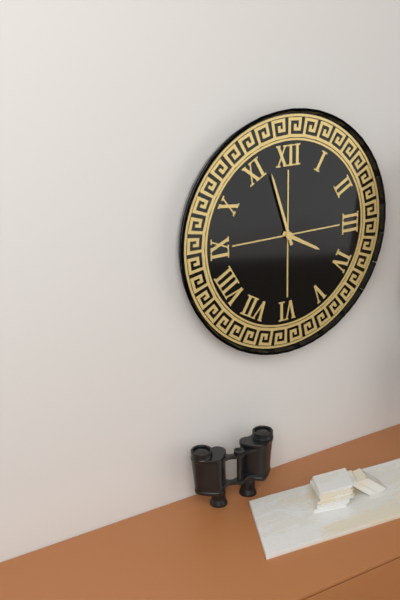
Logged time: 3,57
